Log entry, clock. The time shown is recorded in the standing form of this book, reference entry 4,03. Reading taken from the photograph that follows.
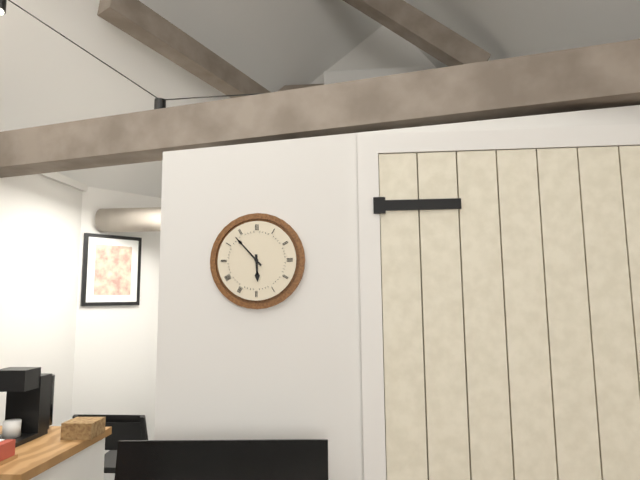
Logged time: 5,53
